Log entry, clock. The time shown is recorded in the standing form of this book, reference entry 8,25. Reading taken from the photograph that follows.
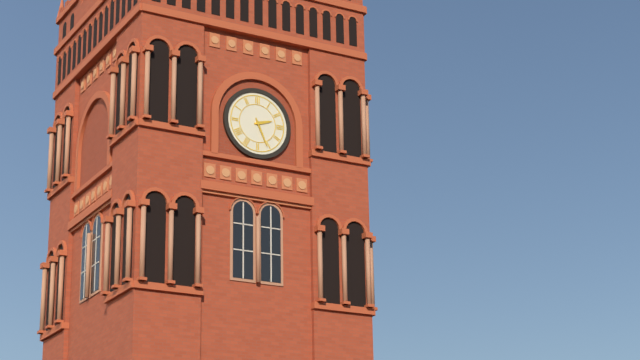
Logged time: 2,26
